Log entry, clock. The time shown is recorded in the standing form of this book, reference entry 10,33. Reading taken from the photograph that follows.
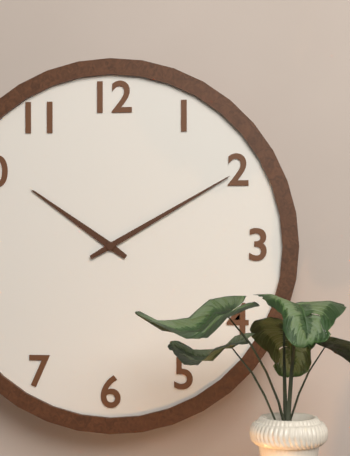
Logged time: 10,10
